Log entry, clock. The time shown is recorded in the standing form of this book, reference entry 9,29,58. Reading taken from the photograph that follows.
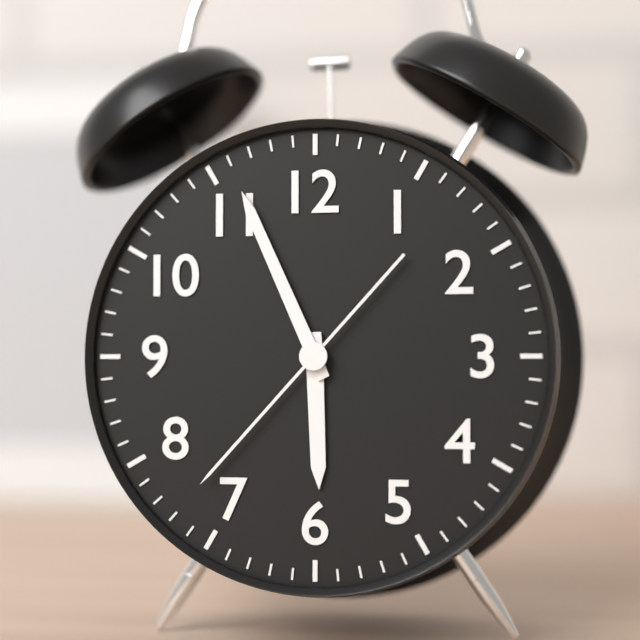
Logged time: 5,56,37
